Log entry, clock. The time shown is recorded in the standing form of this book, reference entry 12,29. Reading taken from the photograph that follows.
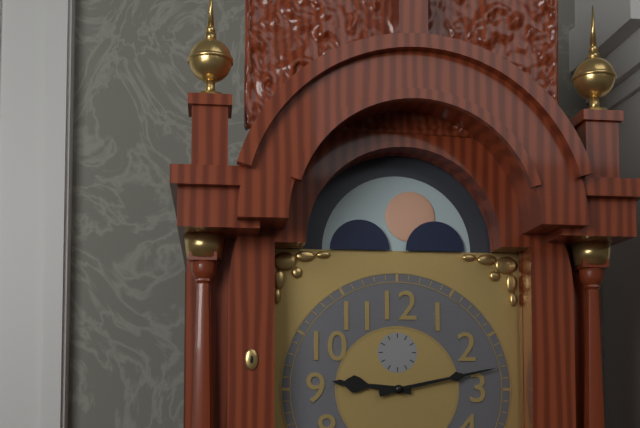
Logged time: 9,13
